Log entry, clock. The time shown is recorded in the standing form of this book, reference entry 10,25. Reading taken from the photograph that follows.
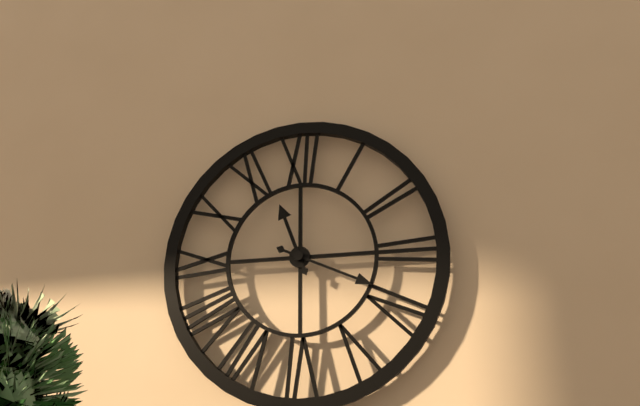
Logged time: 11,19
